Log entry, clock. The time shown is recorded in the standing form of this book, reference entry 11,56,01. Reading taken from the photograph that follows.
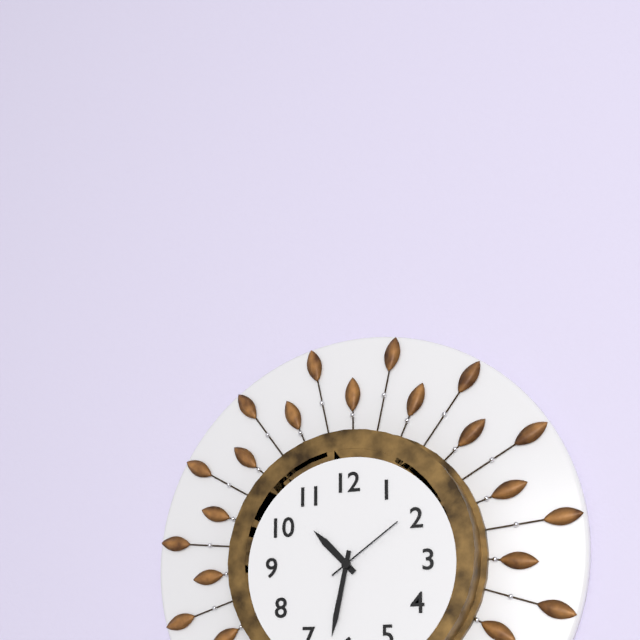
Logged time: 10,32,09
